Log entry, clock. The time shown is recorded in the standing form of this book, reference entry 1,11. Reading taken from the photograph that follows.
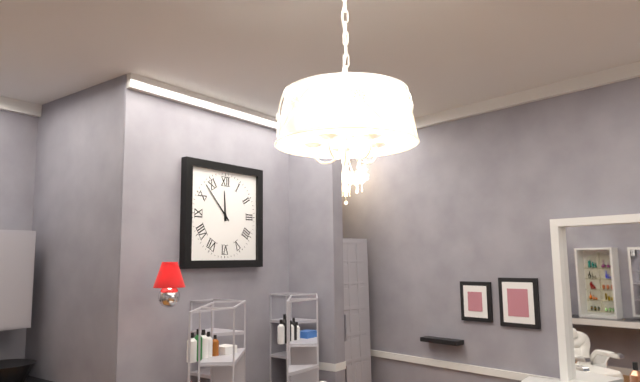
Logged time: 11,53
